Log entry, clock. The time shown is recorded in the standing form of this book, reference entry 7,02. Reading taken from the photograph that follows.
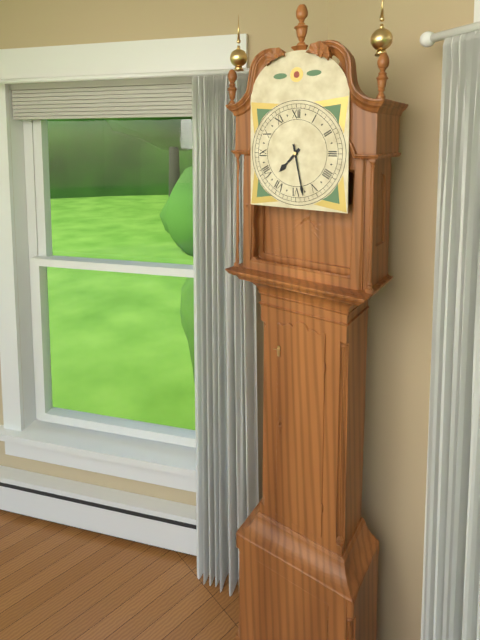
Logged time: 7,28
